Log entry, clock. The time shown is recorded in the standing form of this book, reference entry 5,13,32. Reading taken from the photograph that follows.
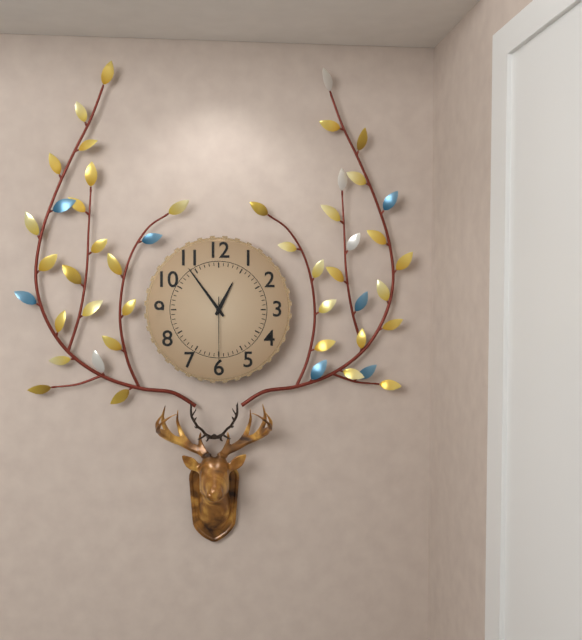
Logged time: 12,54,30
